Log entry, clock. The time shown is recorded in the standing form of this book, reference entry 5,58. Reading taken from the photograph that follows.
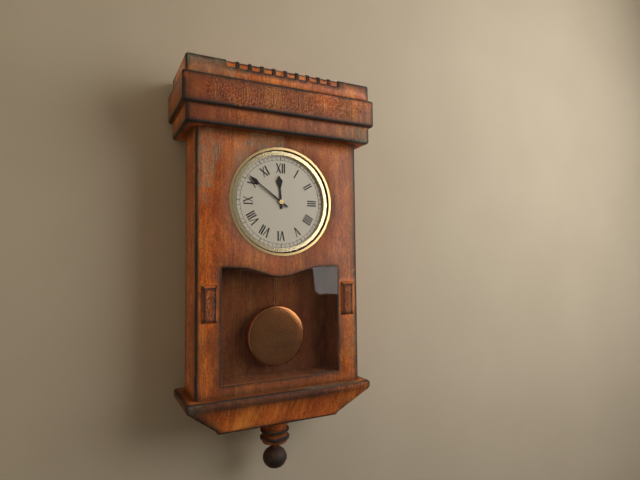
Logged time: 11,51
